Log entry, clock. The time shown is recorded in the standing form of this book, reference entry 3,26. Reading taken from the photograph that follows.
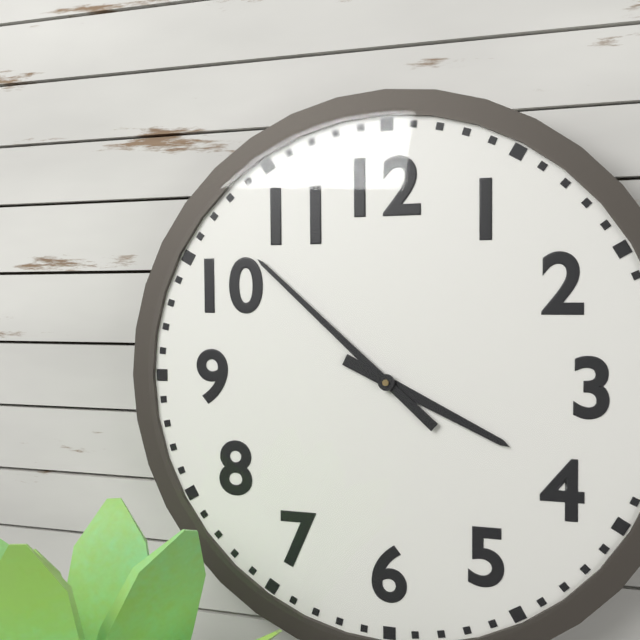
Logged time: 3,52
